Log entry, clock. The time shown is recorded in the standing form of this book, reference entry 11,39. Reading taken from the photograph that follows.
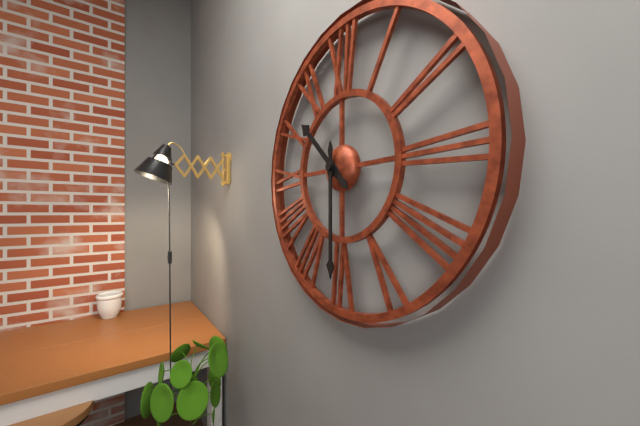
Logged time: 10,30
